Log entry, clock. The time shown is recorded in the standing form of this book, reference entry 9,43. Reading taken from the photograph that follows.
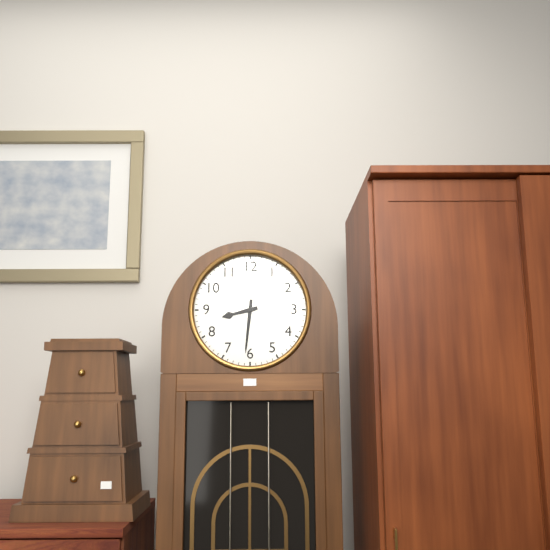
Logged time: 8,31
